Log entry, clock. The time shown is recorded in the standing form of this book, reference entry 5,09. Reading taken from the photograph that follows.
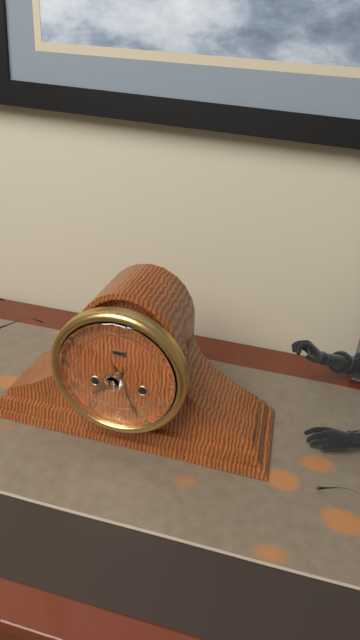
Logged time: 7,26
